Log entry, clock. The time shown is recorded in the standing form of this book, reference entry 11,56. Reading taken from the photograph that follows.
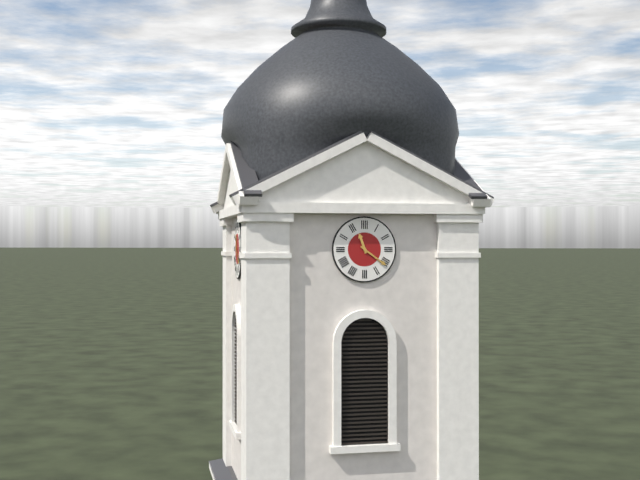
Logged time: 11,21
